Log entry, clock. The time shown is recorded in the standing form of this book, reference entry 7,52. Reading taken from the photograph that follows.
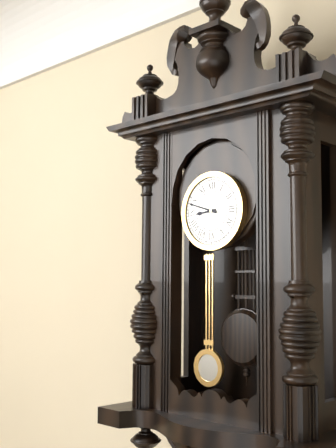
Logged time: 8,48
